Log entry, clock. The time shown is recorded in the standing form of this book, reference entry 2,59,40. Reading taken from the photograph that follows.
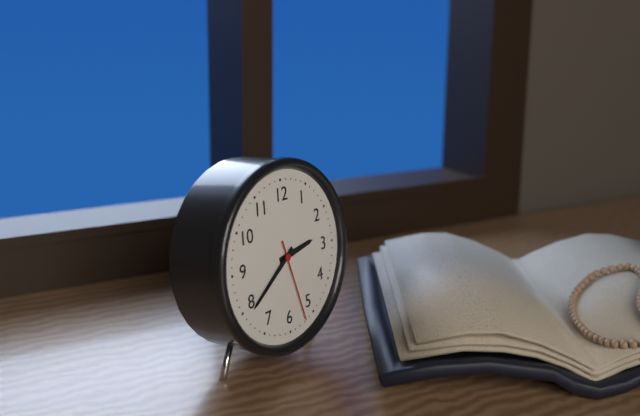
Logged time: 2,39,27
